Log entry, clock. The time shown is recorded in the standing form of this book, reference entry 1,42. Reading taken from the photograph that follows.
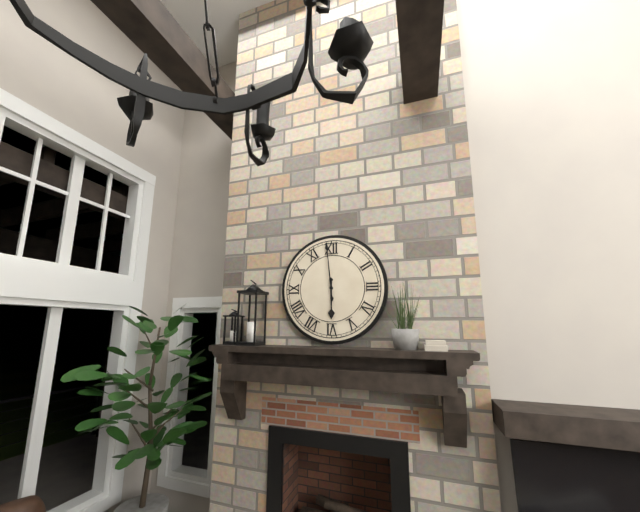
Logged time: 5,59
